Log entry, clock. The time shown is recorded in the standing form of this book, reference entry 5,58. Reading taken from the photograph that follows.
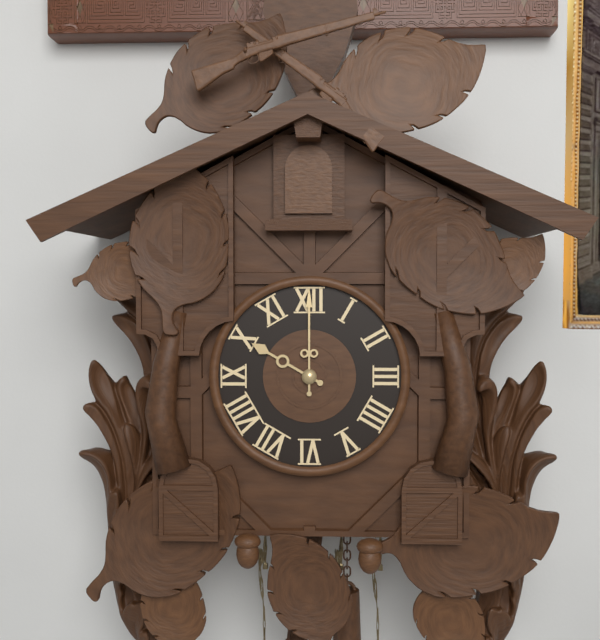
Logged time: 10,00
